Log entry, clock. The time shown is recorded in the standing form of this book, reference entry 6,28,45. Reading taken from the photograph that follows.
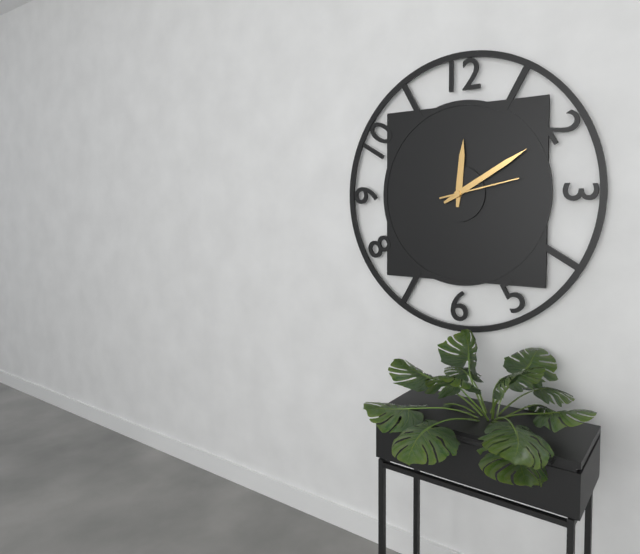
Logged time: 12,10,13
